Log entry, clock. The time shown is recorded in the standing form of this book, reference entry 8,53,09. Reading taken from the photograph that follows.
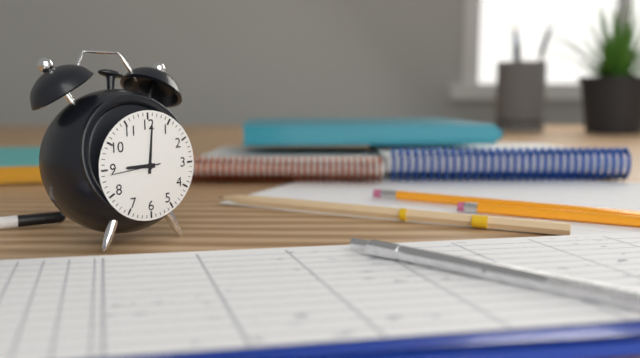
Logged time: 9,01,44
